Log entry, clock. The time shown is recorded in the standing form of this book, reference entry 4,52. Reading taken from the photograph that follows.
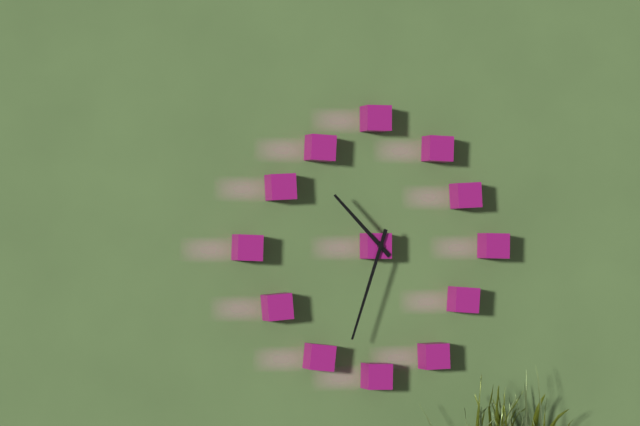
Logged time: 10,33
